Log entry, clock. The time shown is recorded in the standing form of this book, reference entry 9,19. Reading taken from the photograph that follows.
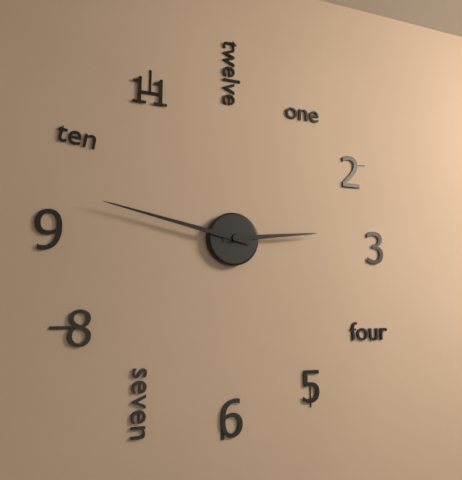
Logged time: 2,47
